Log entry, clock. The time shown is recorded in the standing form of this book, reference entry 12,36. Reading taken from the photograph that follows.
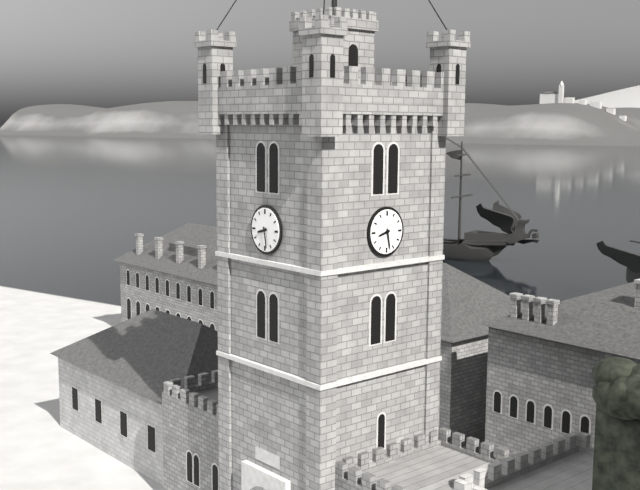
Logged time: 8,28
